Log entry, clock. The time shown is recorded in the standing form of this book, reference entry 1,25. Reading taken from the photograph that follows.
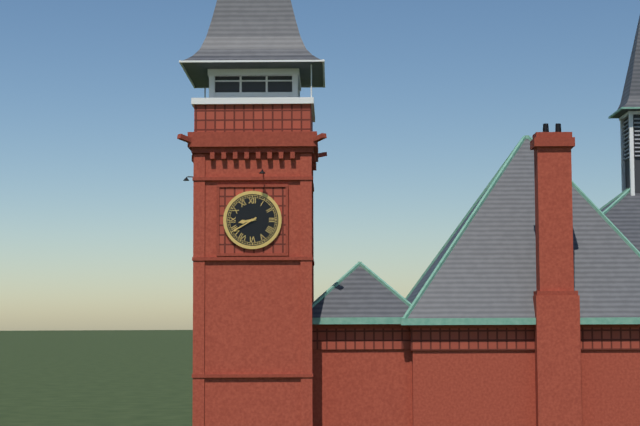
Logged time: 8,40
